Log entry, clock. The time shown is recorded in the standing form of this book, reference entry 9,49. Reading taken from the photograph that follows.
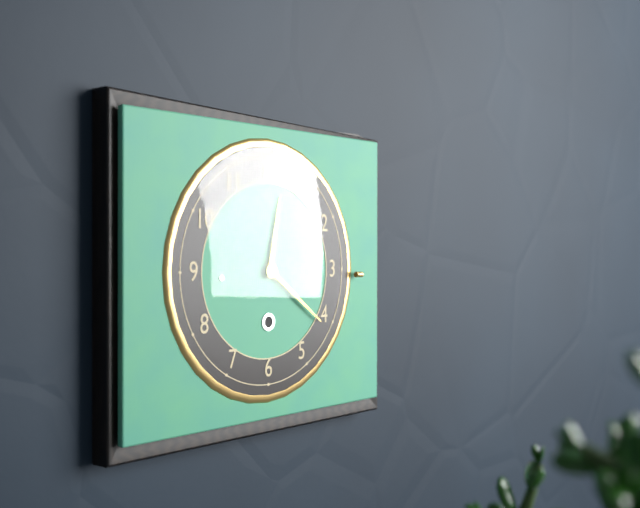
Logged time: 12,21
